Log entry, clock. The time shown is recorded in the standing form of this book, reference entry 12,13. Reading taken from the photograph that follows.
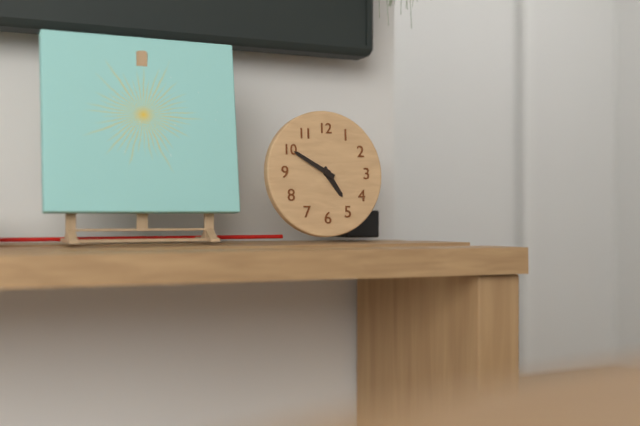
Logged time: 4,50
